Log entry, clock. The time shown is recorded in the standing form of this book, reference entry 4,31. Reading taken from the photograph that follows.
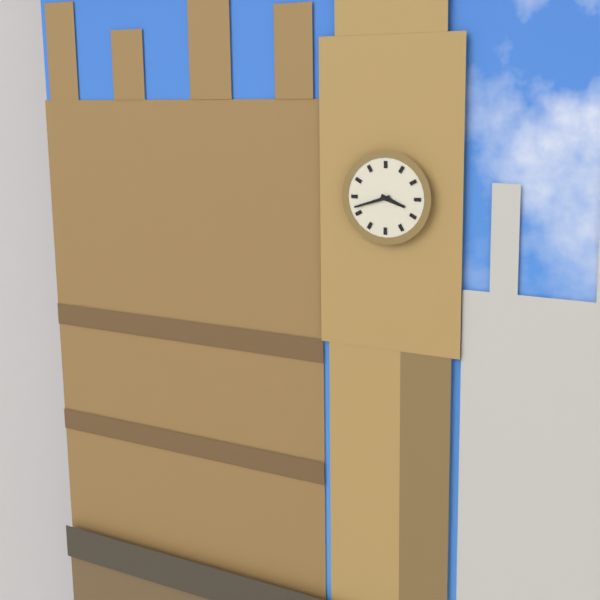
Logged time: 3,42
